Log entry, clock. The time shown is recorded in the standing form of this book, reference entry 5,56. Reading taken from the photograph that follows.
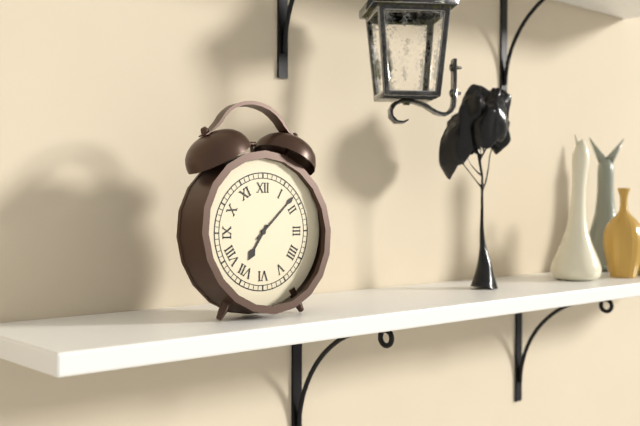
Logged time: 7,08
